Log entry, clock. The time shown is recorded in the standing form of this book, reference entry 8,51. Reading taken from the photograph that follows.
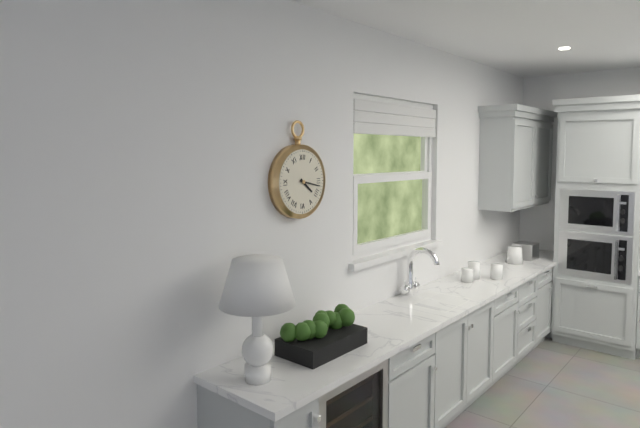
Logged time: 4,17
